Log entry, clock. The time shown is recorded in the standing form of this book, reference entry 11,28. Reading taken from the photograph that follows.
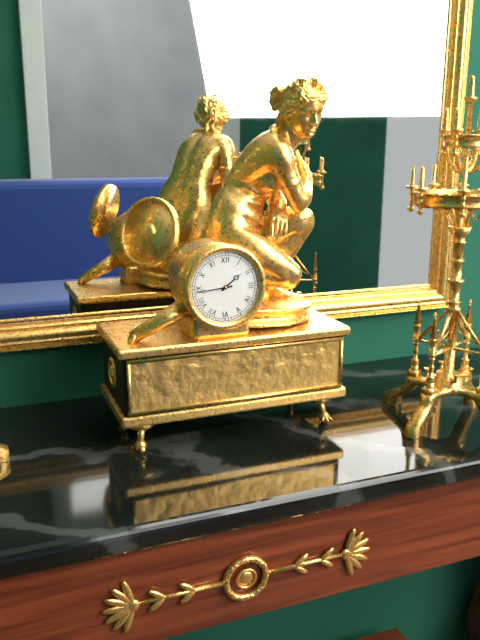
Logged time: 1,44
